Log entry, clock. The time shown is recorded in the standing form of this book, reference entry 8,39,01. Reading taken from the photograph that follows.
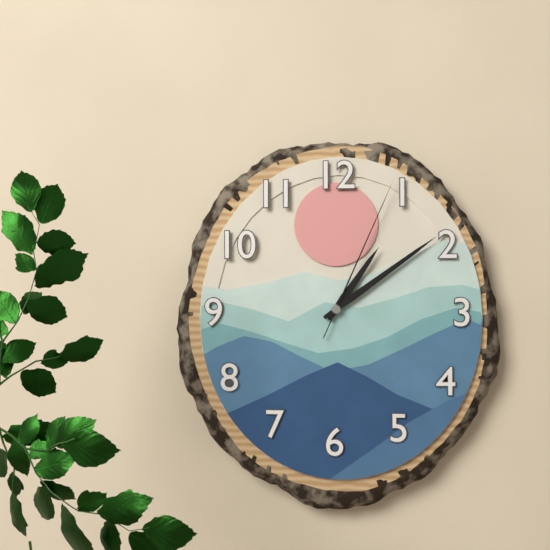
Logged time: 1,09,04
